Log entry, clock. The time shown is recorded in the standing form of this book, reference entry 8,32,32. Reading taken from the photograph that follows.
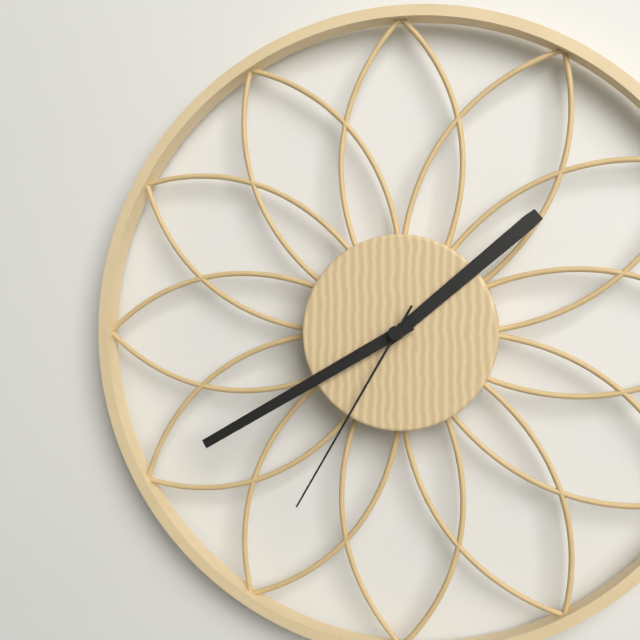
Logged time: 1,40,35
